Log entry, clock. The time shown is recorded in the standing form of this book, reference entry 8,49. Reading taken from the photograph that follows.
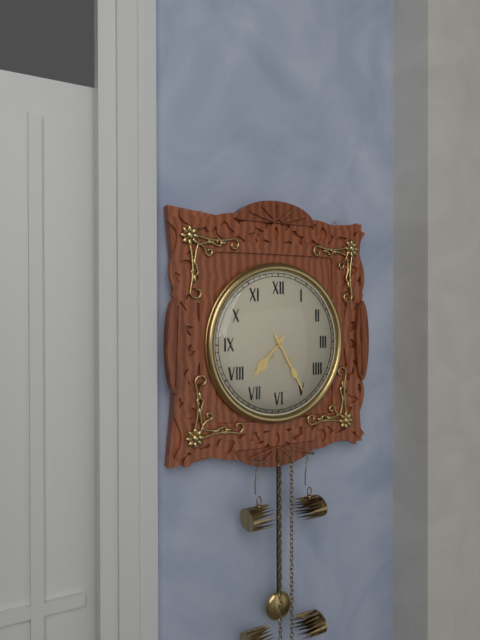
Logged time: 7,25
